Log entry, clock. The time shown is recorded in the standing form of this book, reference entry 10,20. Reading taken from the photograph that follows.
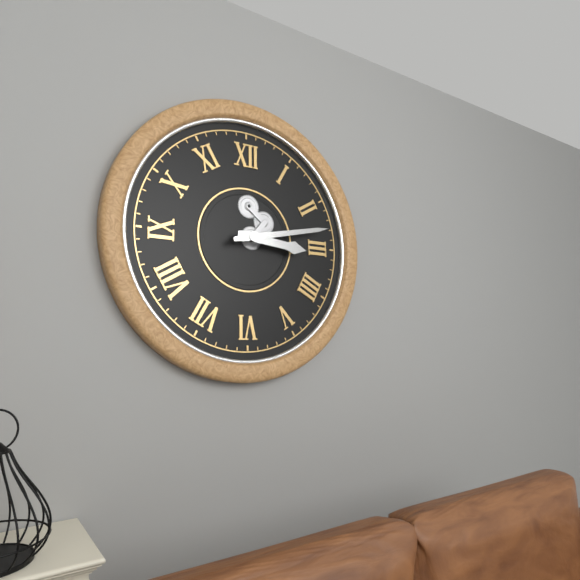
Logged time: 3,13
